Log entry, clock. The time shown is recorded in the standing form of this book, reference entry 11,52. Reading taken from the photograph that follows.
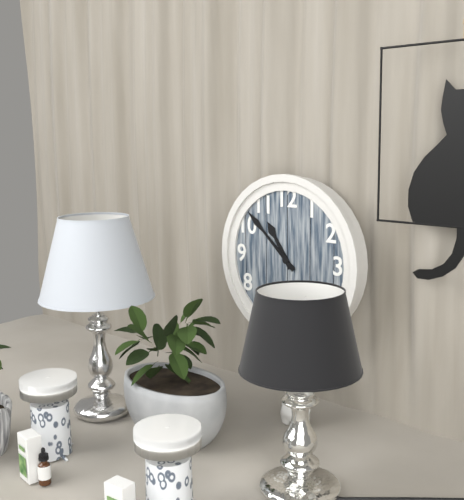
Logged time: 10,52
